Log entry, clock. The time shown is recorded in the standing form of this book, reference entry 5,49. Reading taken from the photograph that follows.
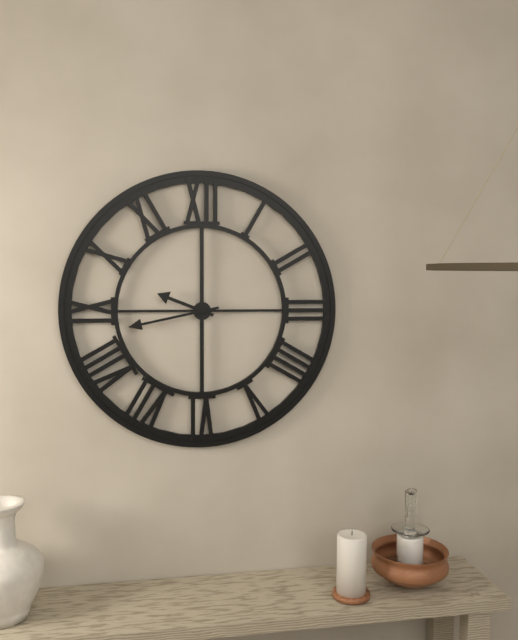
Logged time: 9,43
